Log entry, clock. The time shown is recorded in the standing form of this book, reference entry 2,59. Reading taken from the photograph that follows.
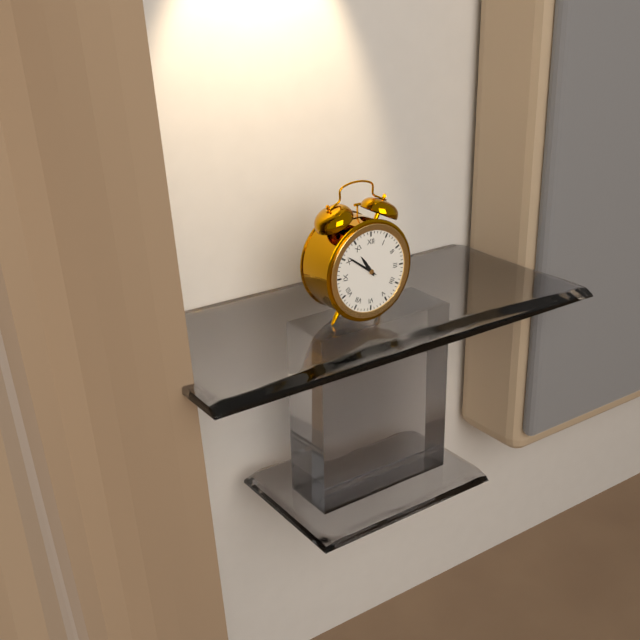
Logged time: 10,51
